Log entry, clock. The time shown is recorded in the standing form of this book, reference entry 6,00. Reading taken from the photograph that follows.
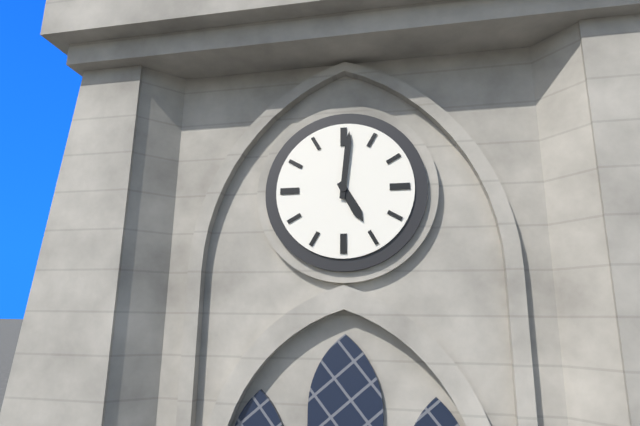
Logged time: 5,01
